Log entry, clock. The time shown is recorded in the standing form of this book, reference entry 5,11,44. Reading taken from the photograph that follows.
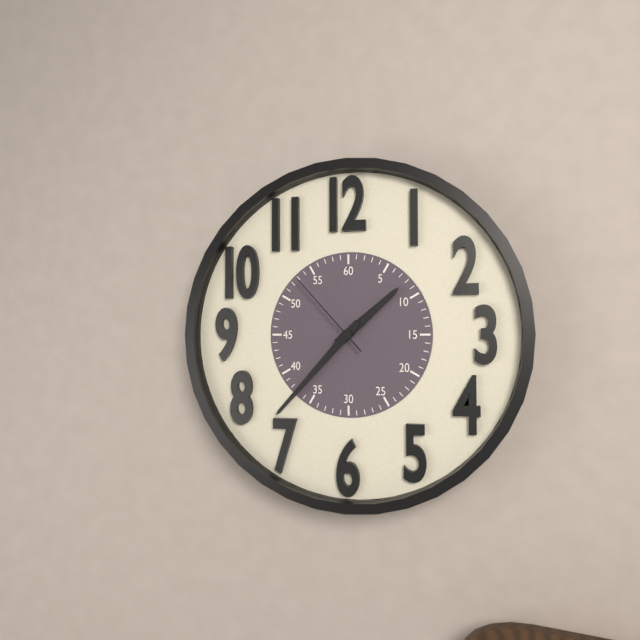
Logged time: 1,37,53
